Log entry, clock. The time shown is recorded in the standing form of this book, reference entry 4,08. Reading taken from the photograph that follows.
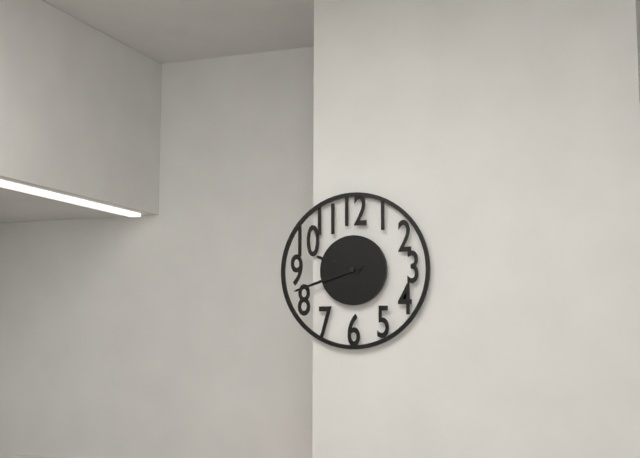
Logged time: 9,42
